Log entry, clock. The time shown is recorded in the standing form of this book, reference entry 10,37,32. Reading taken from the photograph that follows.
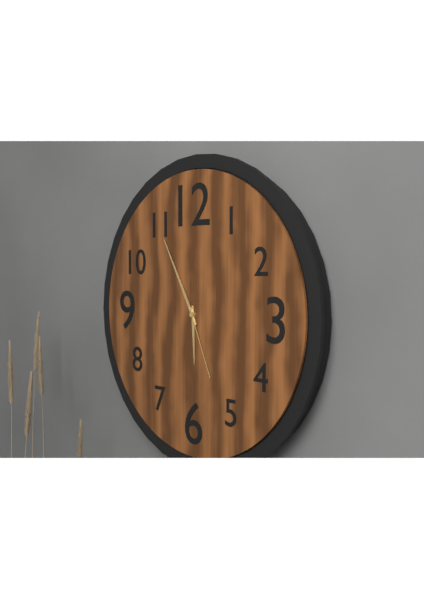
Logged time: 5,55,26
